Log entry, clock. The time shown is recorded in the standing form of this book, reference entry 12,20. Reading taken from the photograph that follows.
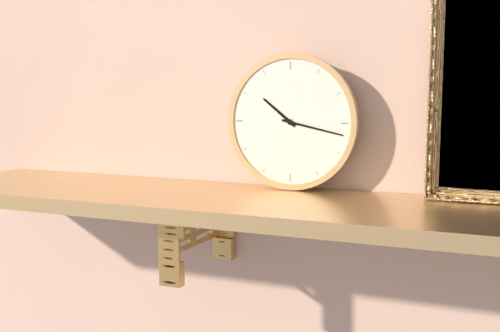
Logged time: 10,17
